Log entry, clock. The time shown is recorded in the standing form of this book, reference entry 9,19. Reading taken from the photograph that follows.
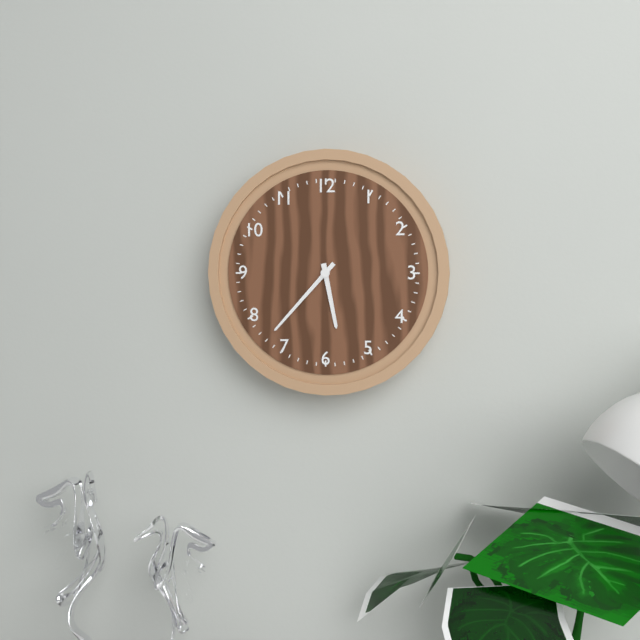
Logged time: 5,37
